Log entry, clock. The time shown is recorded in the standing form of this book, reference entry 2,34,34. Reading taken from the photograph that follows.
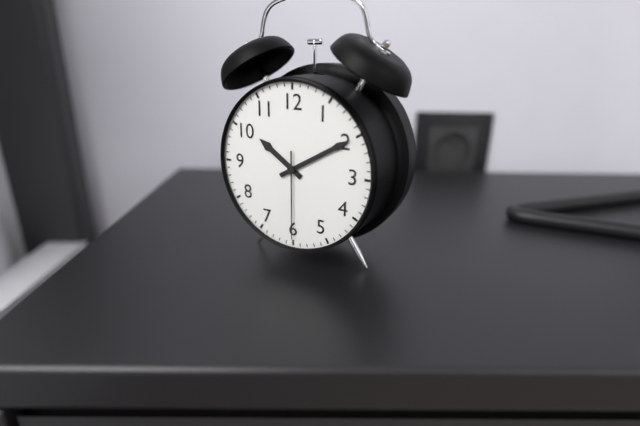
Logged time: 10,10,30
